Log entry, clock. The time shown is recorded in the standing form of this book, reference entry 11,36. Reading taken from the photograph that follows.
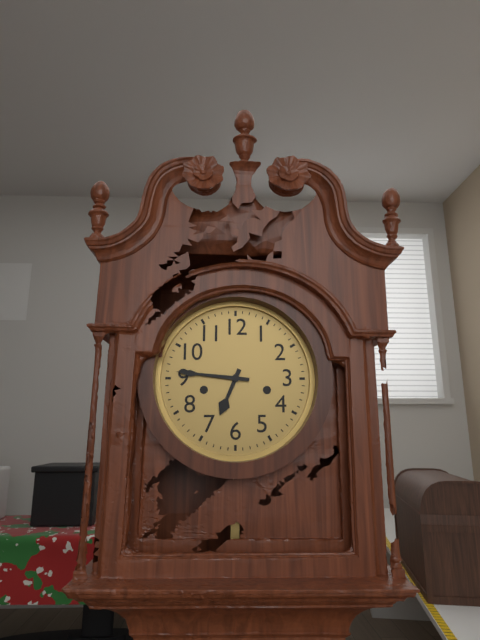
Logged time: 6,46
